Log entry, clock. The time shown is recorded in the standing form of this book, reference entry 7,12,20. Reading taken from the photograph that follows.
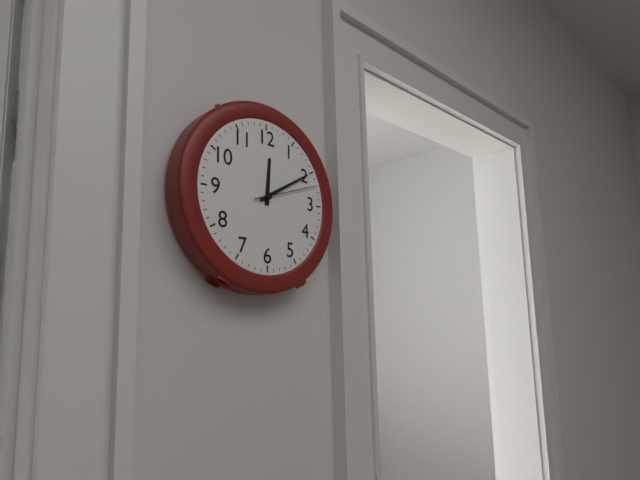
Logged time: 12,10,12
